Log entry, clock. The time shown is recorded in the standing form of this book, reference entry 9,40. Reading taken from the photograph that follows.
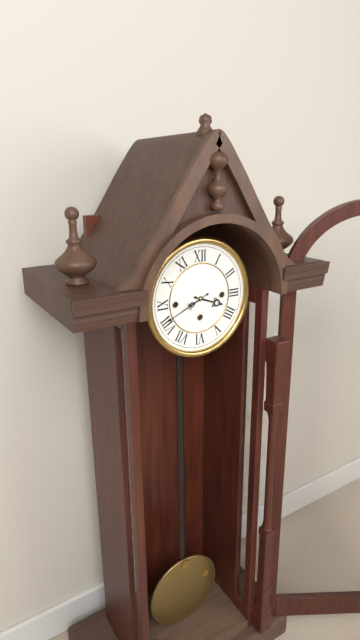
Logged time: 3,41
